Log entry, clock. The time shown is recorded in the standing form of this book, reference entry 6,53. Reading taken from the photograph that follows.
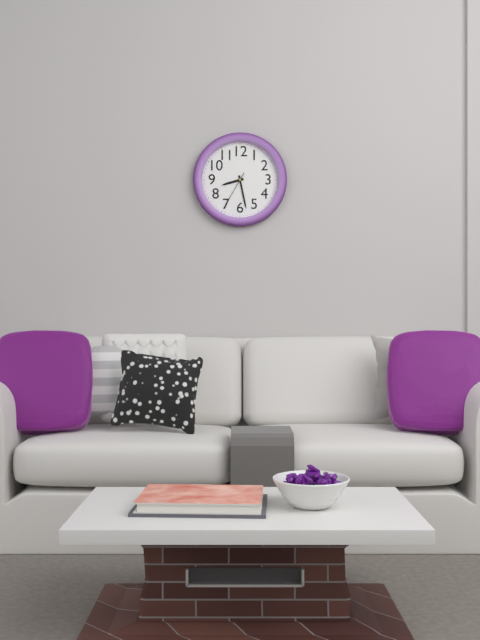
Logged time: 8,28
